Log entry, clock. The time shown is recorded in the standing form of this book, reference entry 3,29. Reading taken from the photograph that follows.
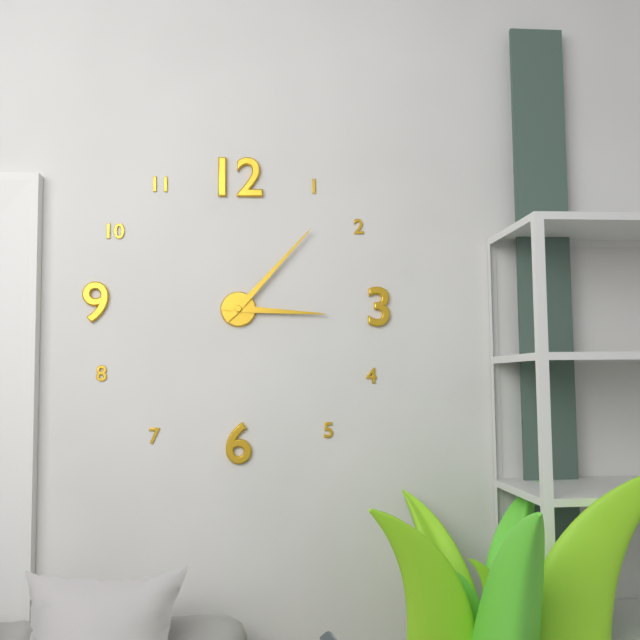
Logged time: 3,07
